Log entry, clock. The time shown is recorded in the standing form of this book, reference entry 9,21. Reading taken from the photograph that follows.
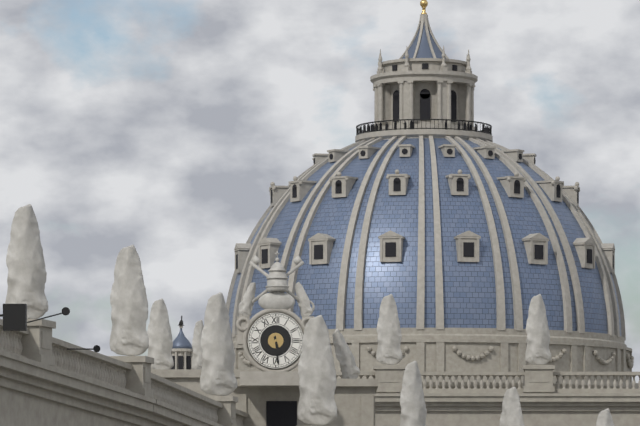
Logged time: 5,29
